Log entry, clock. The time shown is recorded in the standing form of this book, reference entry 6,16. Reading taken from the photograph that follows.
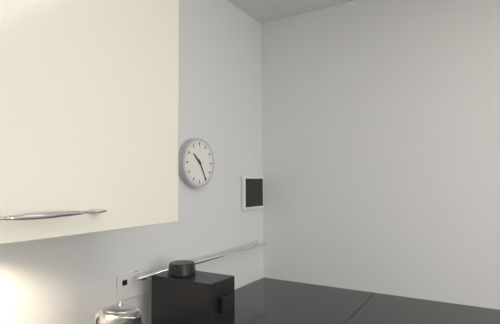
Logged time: 10,25
